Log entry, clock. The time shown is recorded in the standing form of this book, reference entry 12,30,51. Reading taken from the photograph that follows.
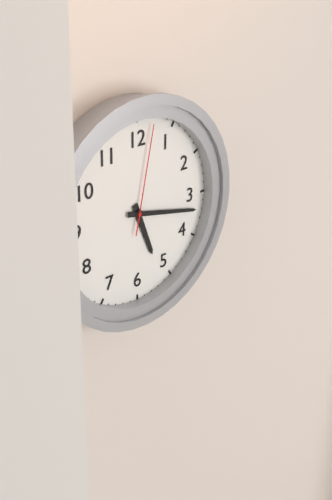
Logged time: 5,17,02
